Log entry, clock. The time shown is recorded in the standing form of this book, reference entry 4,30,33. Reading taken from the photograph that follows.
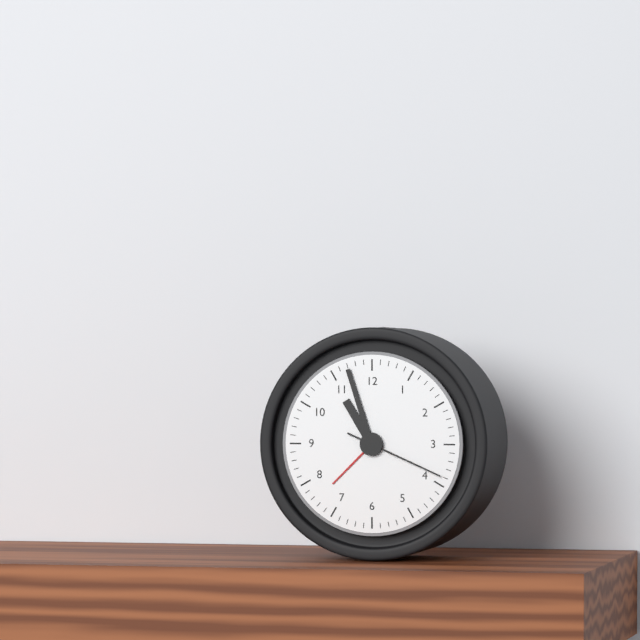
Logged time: 10,57,19
